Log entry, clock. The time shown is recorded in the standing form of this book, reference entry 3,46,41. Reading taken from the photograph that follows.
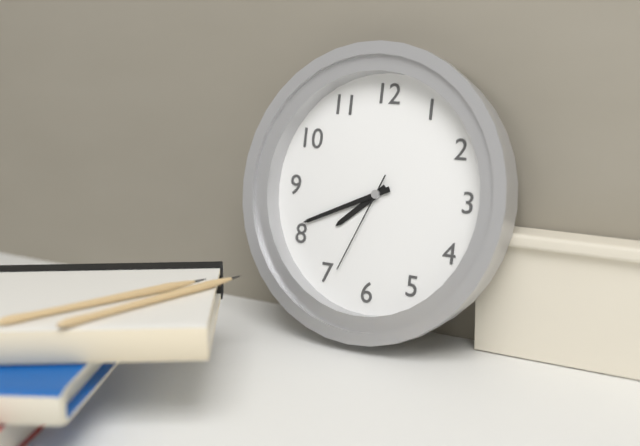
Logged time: 7,41,34
